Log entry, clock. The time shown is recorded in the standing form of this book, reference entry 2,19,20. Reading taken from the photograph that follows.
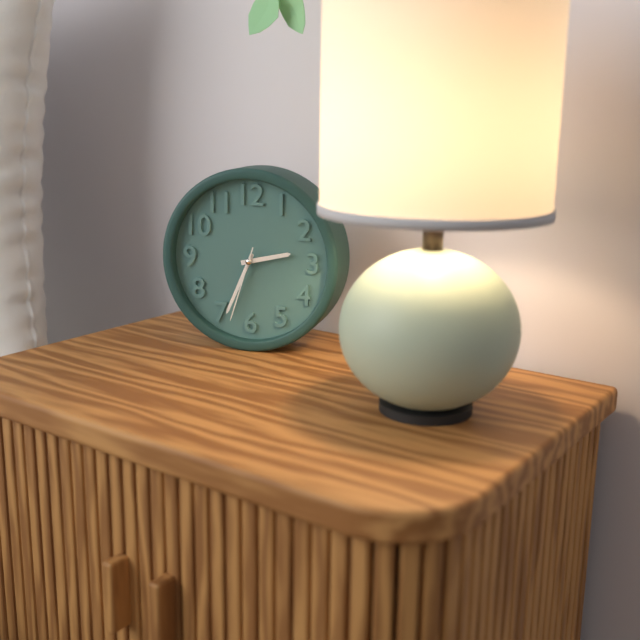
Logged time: 2,34,33
